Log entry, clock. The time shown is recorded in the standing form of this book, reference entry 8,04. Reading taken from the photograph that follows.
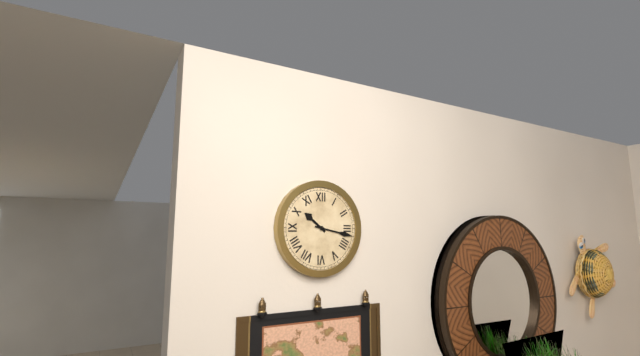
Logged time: 10,17
